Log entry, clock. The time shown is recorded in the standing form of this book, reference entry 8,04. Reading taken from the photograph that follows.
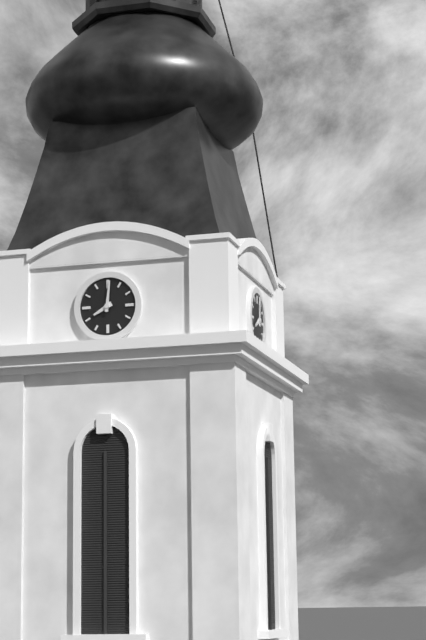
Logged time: 8,01
